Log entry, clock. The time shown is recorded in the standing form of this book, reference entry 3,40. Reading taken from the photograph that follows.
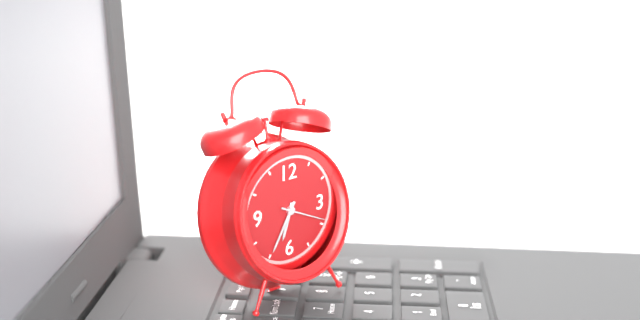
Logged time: 6,35
